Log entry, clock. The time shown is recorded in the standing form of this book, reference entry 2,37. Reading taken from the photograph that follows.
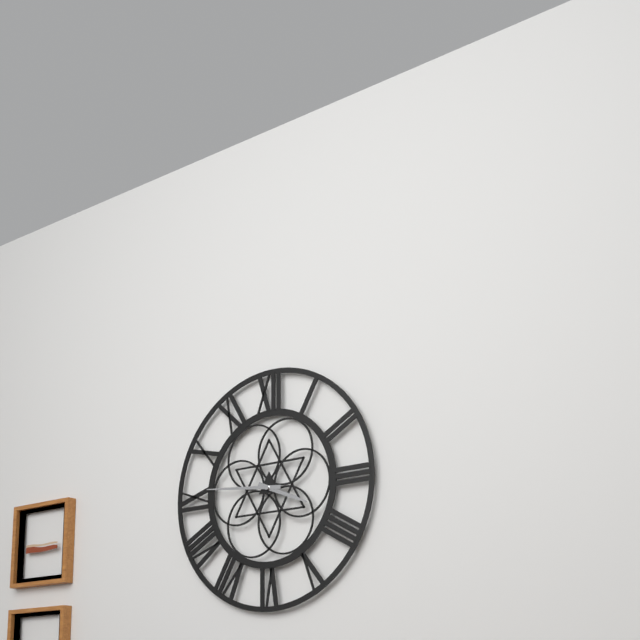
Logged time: 3,46
